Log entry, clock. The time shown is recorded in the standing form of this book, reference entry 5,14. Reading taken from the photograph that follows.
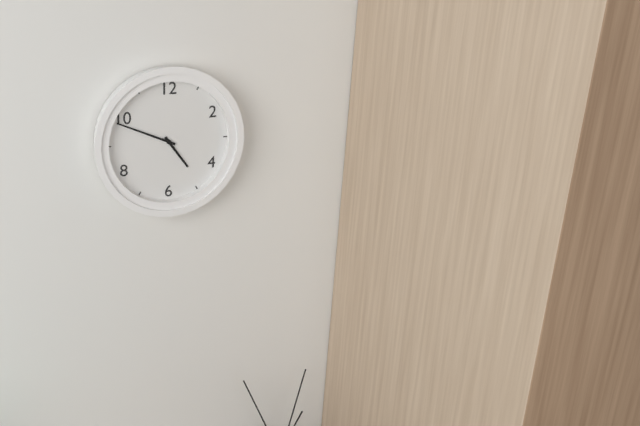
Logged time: 4,49
